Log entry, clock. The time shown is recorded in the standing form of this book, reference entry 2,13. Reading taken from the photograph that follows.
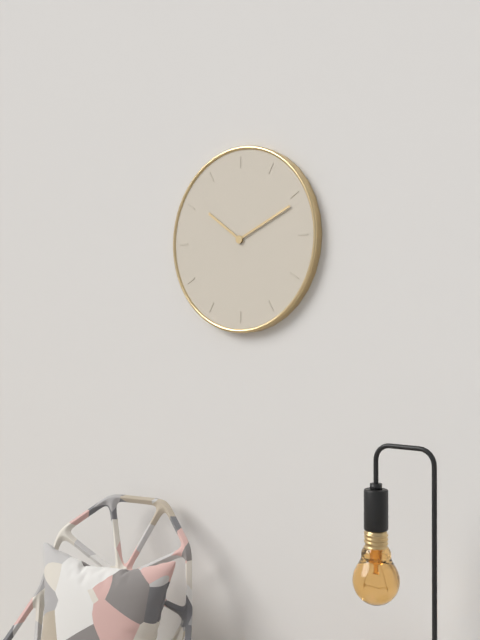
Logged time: 10,11
